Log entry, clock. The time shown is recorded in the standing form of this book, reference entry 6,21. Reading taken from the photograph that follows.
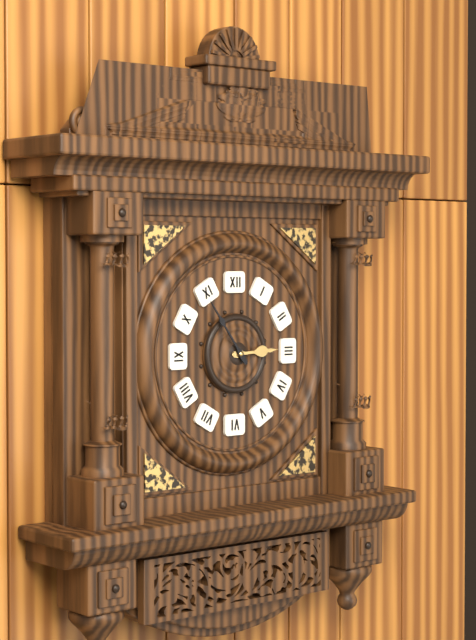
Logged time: 2,54
